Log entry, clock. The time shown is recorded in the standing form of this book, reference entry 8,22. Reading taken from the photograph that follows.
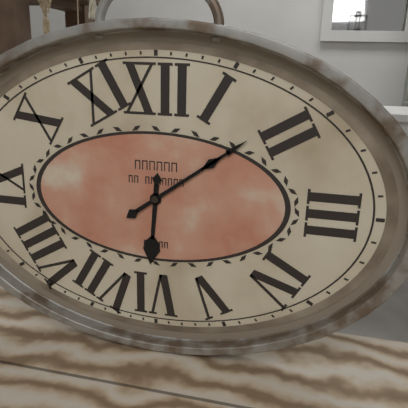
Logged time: 6,09
